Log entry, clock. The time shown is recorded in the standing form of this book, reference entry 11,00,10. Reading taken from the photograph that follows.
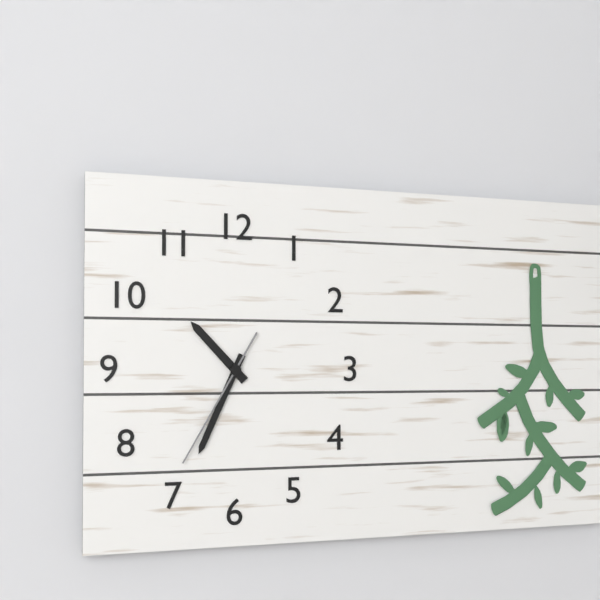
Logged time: 10,34,35
